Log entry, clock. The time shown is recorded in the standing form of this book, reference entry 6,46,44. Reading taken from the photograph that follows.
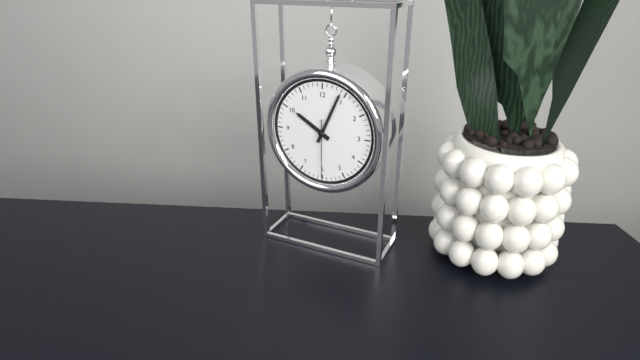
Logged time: 10,04,30
